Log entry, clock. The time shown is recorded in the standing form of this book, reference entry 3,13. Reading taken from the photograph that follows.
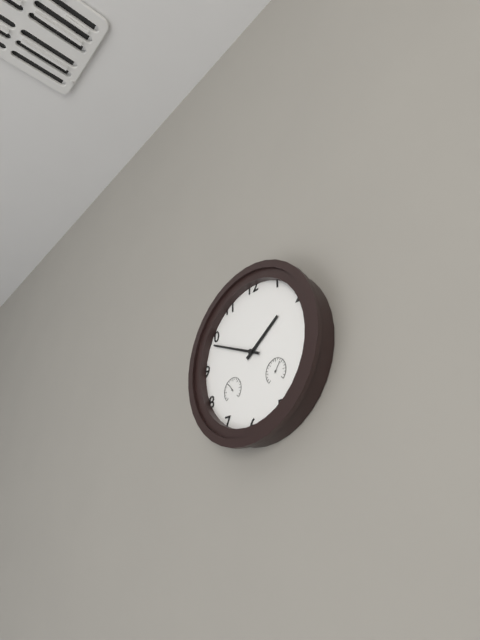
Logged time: 1,49
